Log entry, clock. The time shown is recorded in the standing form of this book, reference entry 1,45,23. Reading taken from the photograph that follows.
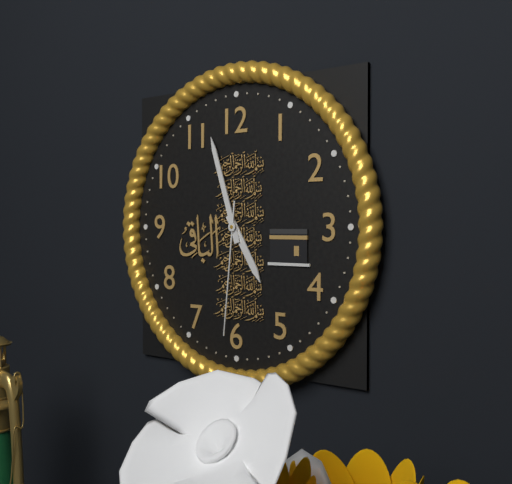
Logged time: 4,57,31
